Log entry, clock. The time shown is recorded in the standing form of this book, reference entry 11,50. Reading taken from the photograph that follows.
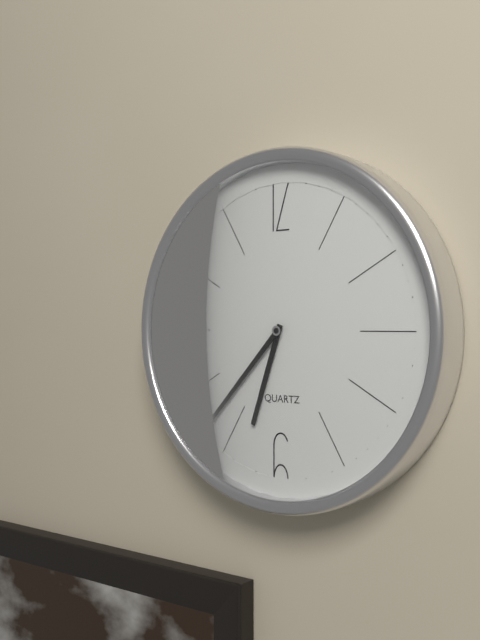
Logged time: 6,37
